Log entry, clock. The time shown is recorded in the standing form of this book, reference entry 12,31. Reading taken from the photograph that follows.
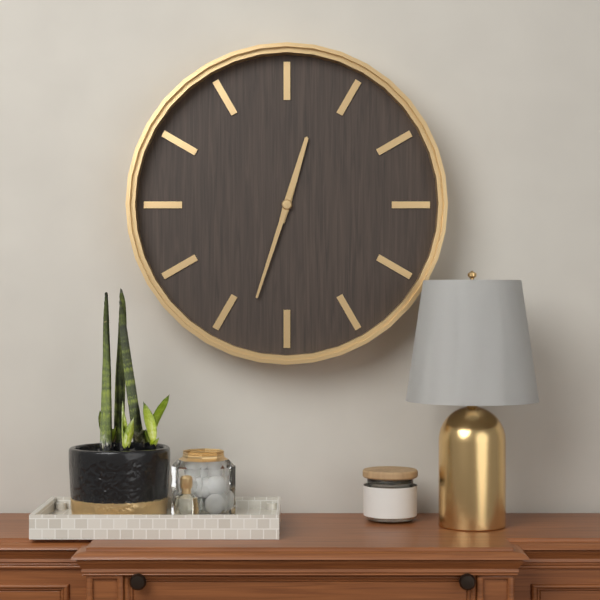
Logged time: 12,33
